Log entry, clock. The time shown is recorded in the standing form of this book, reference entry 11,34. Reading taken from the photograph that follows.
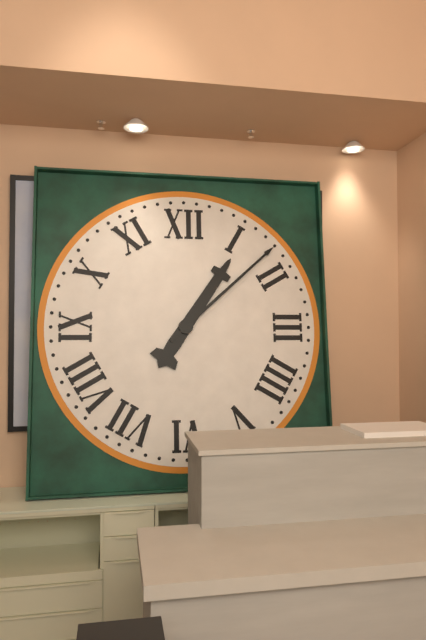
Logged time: 1,08
